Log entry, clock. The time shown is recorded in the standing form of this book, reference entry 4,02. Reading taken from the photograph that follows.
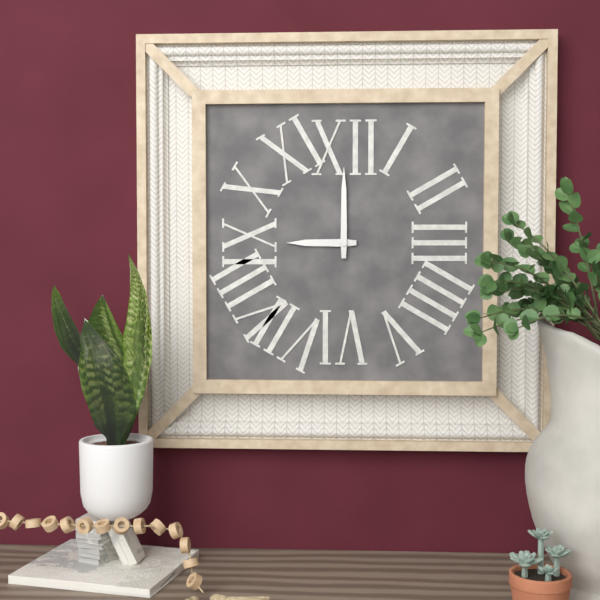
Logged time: 9,00
